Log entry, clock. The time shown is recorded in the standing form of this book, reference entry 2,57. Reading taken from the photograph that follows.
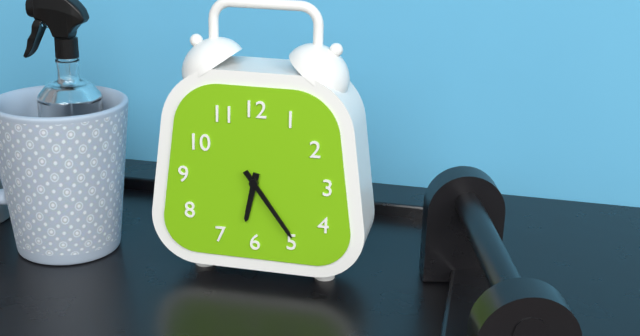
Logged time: 6,24
